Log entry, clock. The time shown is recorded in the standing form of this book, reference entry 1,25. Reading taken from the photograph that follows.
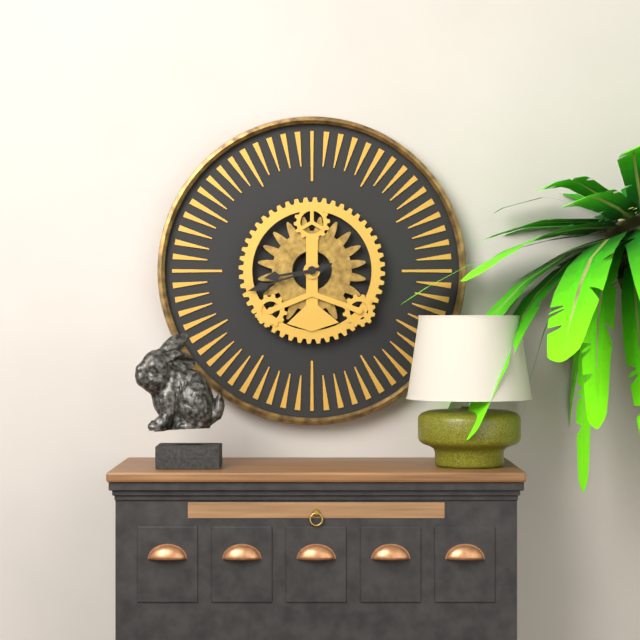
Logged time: 8,42
